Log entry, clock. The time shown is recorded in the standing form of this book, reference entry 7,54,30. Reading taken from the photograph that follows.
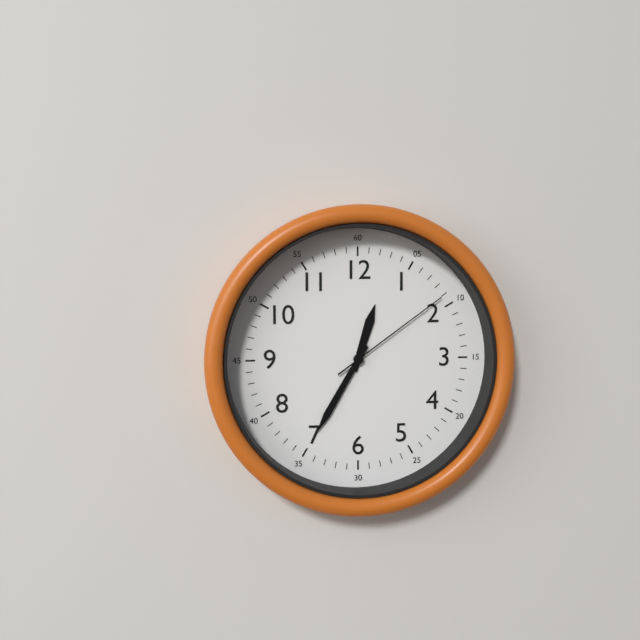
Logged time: 12,35,09
